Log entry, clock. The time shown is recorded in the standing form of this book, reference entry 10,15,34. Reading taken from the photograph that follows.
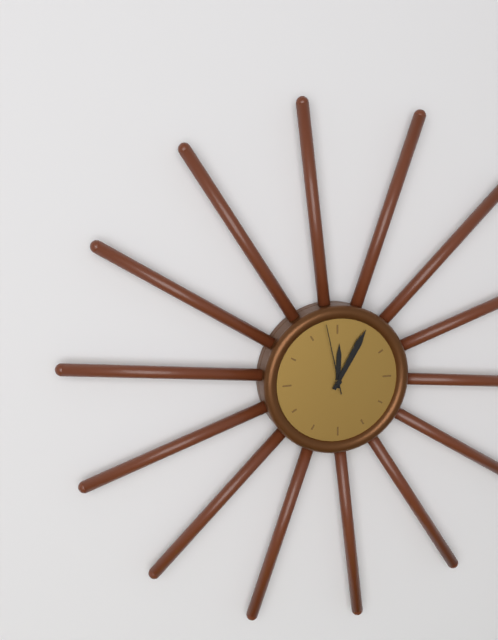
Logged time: 12,05,58
